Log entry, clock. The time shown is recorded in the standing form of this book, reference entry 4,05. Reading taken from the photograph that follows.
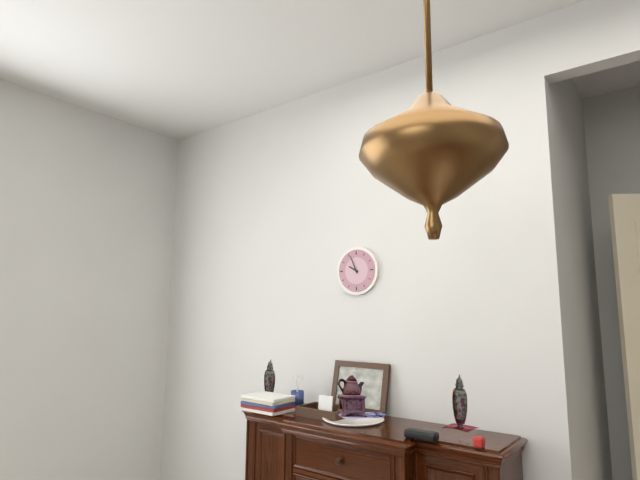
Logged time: 9,56
